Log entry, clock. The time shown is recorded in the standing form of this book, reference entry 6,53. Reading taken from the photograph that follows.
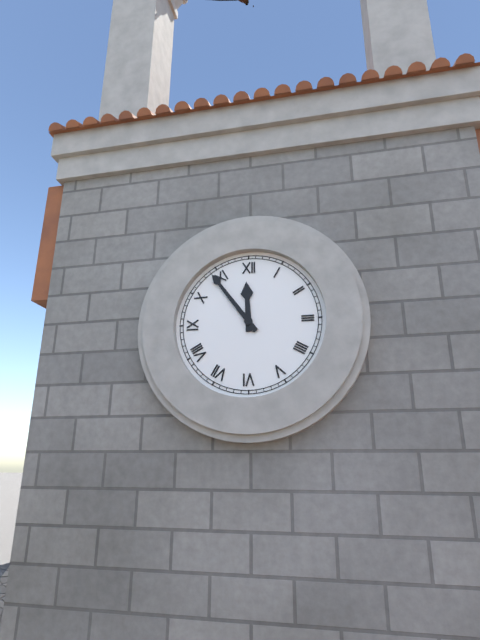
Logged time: 11,54
